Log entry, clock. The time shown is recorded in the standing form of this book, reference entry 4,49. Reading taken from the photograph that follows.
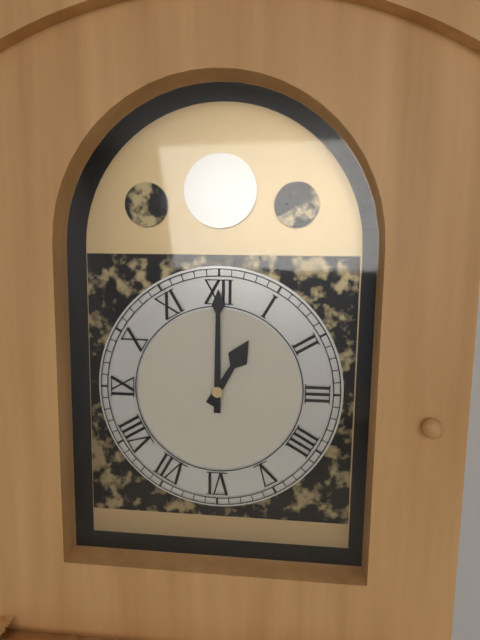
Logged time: 1,00
